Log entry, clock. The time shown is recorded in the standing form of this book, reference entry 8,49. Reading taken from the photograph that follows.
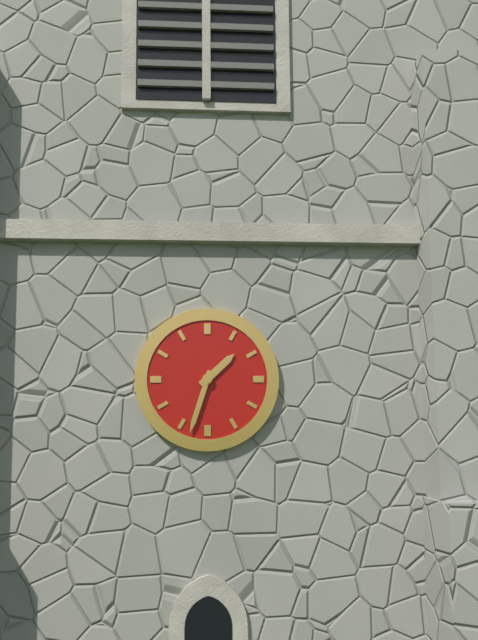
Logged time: 1,33
